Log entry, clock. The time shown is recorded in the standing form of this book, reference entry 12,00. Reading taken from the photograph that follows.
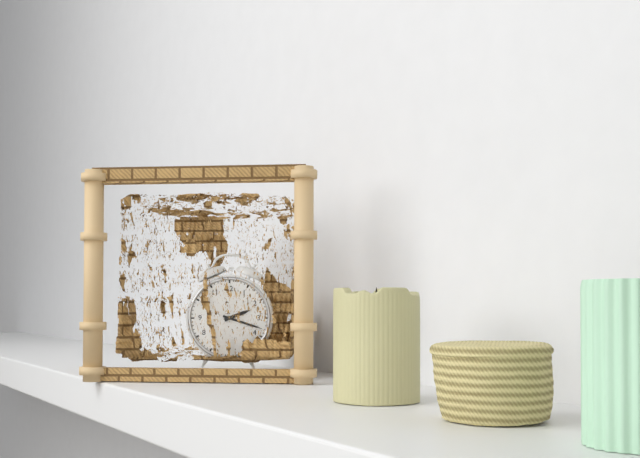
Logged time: 2,18
